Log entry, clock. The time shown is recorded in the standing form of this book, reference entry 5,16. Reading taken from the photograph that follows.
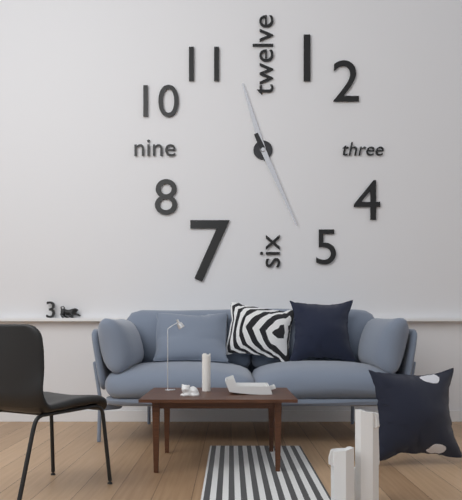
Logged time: 11,26
